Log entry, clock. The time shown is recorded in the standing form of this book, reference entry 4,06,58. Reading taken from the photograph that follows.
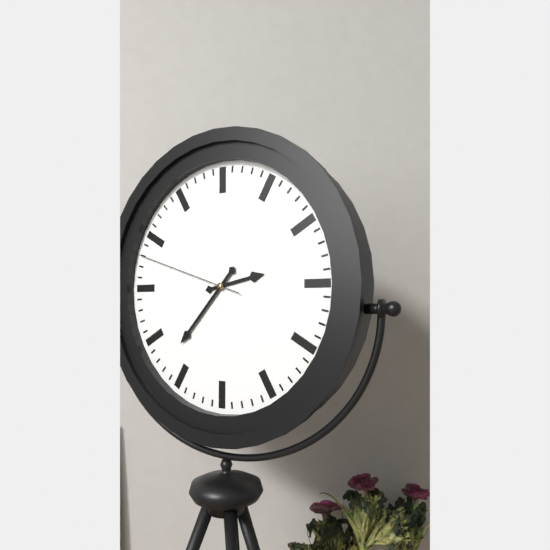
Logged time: 2,37,48
